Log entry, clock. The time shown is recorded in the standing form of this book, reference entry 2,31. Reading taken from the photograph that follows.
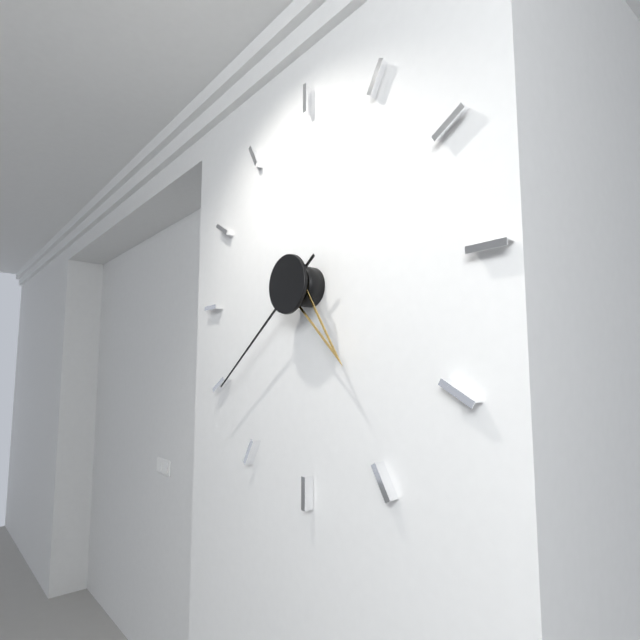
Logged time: 4,39
